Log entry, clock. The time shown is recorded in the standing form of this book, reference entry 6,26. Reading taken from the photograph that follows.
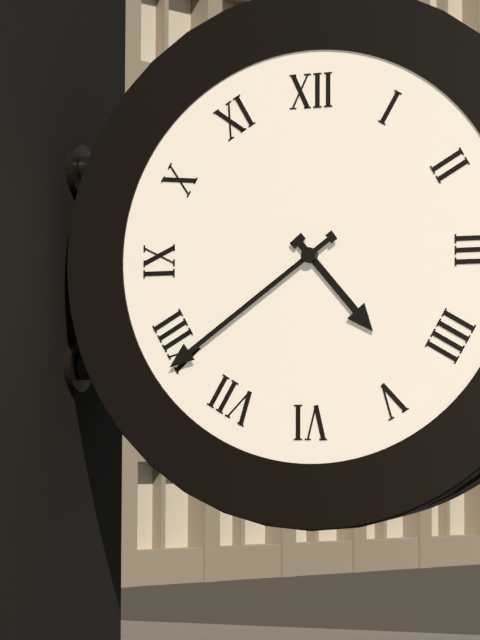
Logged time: 4,39
